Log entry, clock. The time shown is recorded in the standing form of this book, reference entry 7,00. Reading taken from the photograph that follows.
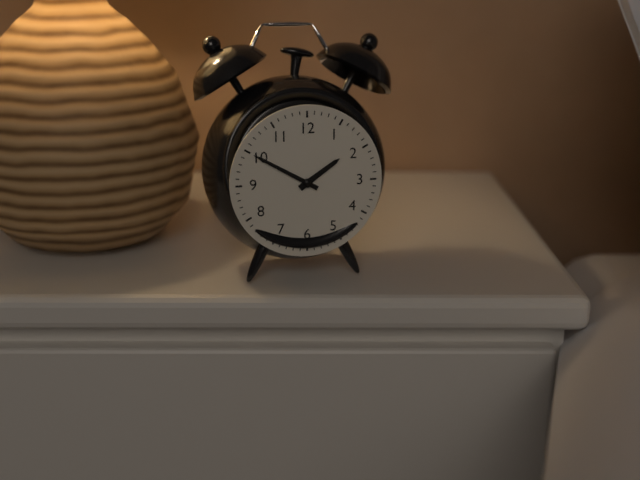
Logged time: 1,50
